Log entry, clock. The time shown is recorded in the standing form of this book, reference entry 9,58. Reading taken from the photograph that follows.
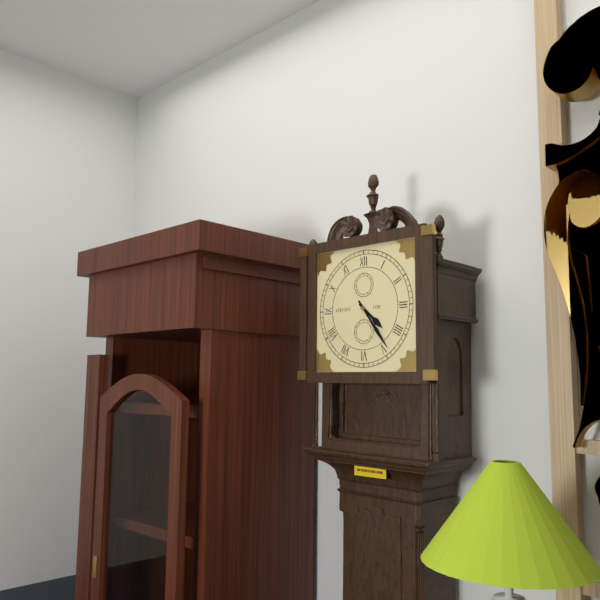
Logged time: 4,24
